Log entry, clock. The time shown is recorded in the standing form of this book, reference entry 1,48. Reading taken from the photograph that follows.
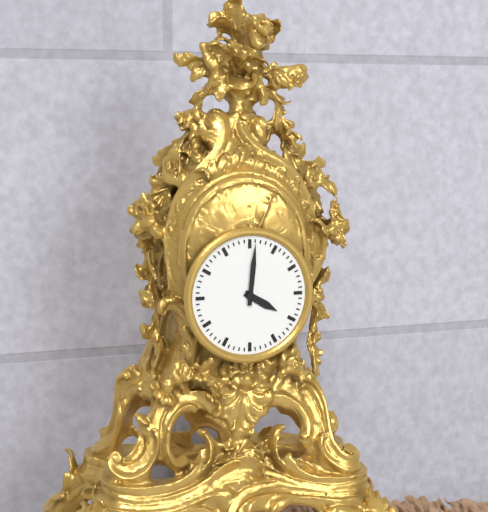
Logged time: 4,01
